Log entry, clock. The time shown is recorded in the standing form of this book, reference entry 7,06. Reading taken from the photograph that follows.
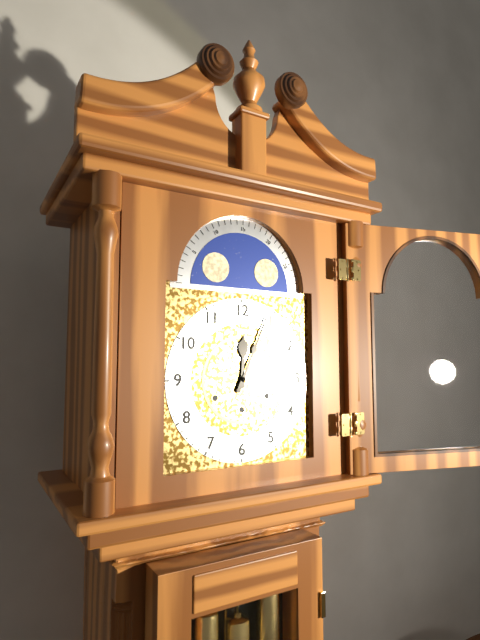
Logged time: 12,04
